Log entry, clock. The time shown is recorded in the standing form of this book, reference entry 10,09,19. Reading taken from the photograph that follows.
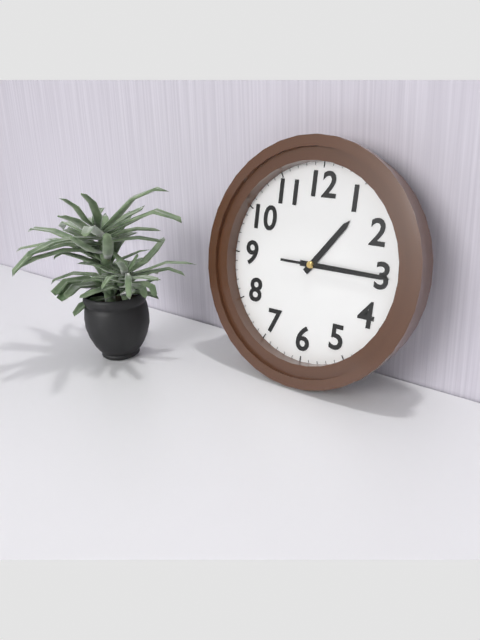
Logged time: 1,15,15
